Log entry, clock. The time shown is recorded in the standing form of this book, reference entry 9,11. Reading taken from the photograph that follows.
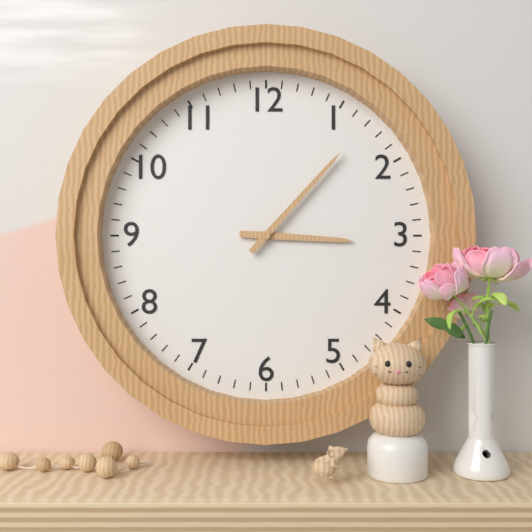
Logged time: 3,07
